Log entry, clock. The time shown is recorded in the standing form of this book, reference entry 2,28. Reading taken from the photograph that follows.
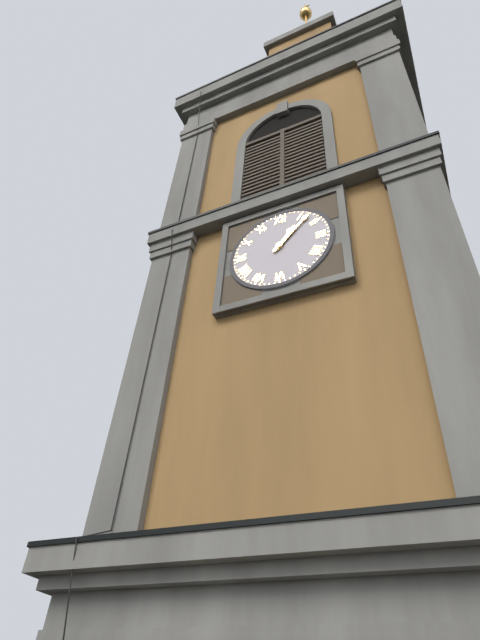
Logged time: 1,07
